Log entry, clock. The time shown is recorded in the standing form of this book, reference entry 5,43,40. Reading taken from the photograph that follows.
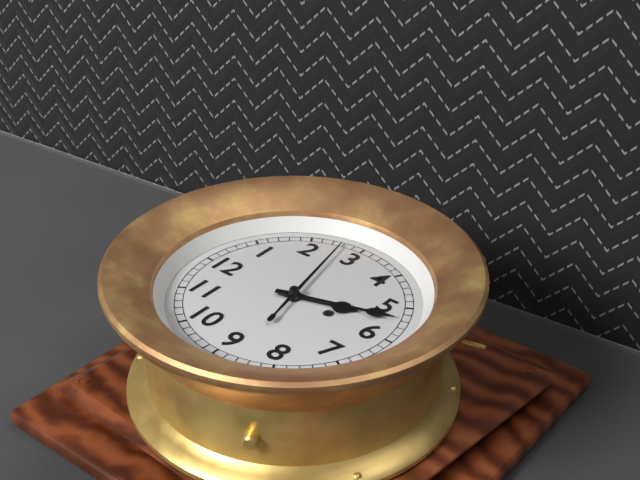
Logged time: 5,27,13
